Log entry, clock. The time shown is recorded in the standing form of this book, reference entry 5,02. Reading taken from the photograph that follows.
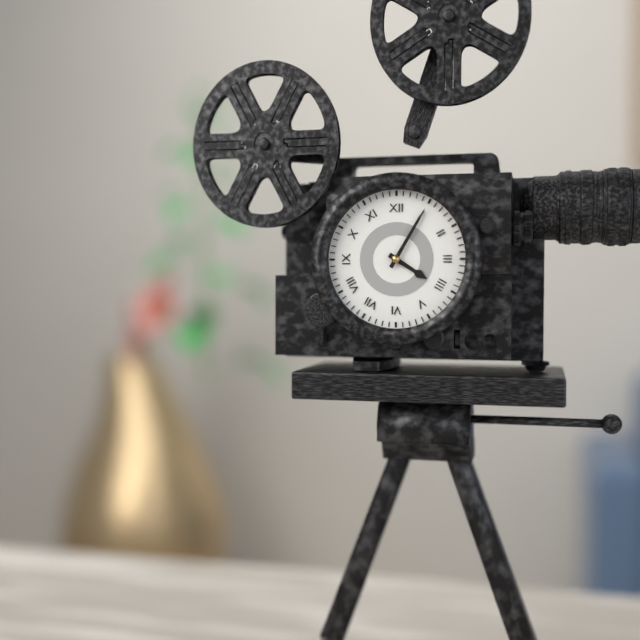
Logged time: 4,05
